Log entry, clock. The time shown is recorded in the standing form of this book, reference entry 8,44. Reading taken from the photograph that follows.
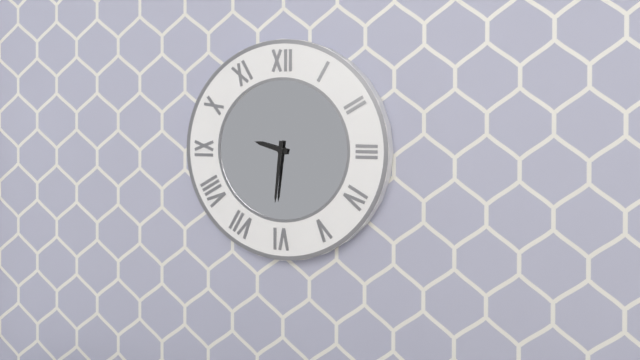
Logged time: 9,31
